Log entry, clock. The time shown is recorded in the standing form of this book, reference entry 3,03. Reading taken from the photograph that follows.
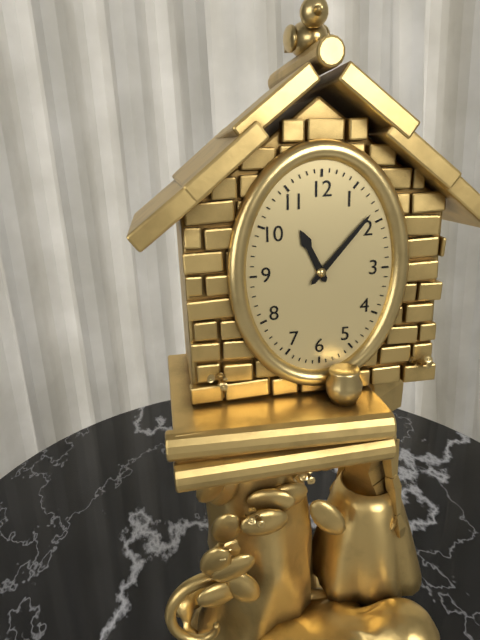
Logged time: 11,07
